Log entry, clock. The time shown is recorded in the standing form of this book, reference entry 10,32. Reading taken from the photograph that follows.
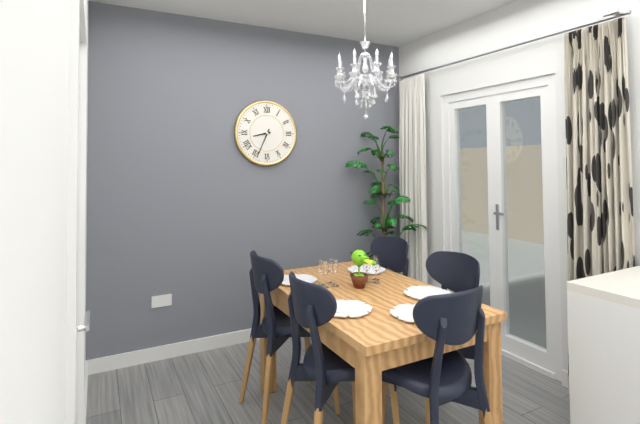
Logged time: 8,34
